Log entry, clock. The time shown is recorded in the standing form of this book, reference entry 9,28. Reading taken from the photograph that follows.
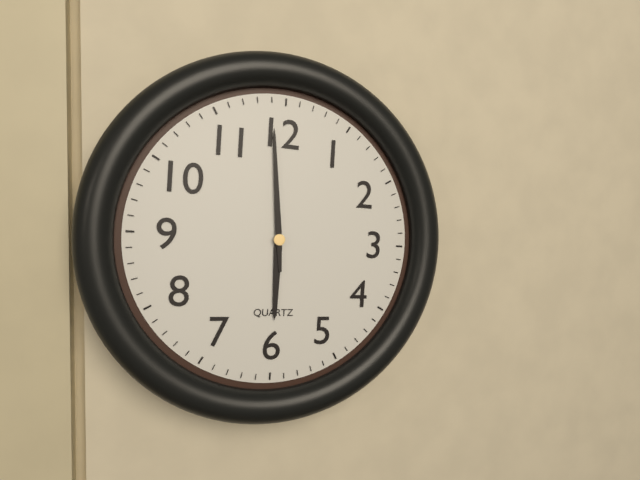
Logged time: 5,59
